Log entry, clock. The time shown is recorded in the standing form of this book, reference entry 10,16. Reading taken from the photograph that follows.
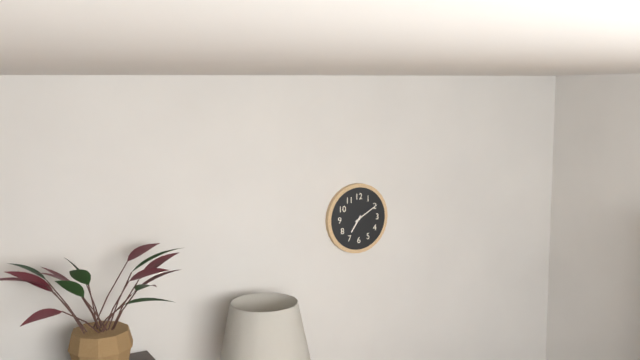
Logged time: 7,10
